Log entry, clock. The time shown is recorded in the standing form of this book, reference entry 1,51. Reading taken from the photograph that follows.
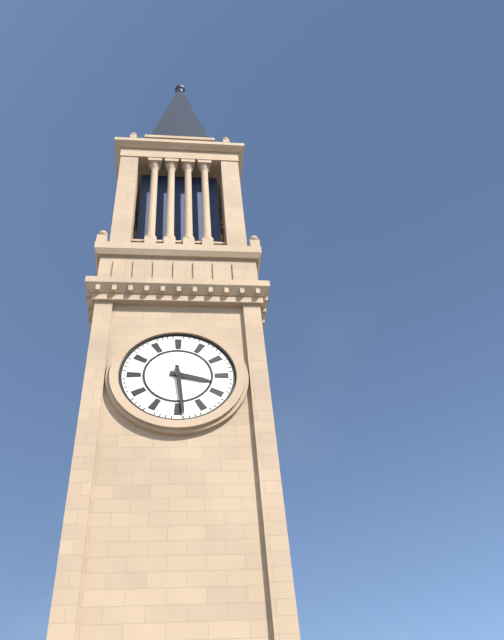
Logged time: 3,29
